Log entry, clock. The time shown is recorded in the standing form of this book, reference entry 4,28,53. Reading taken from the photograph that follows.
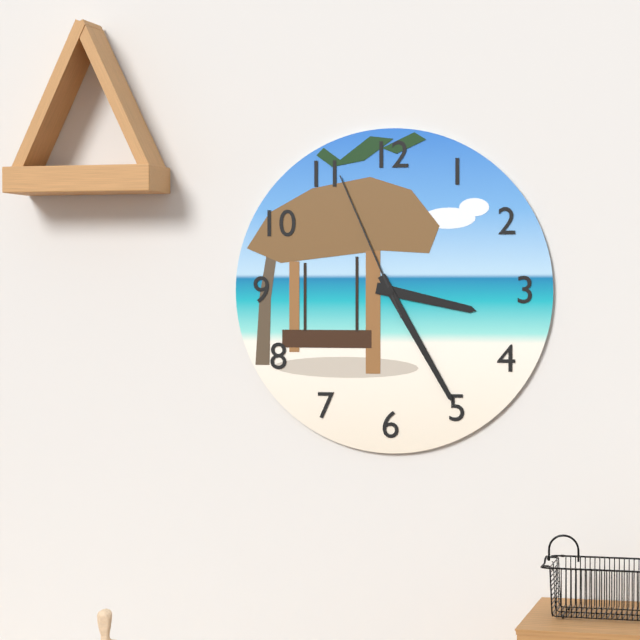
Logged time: 3,25,56
